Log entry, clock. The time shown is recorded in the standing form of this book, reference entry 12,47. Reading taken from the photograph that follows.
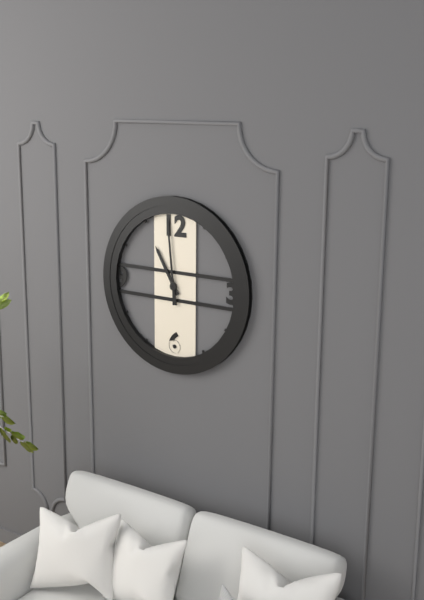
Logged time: 10,59
